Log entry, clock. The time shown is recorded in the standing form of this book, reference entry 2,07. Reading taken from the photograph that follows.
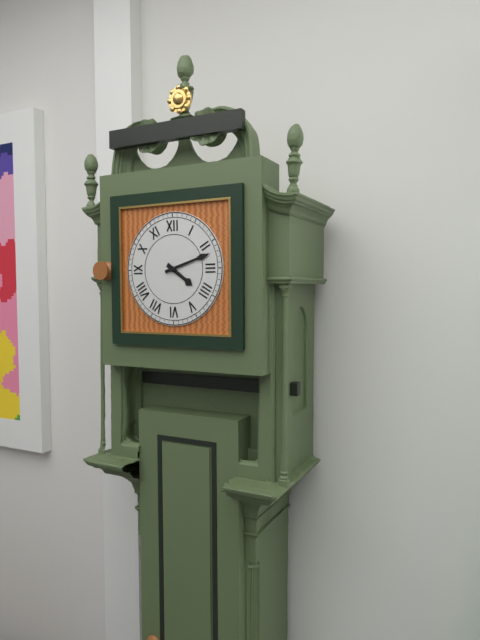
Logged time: 4,12
